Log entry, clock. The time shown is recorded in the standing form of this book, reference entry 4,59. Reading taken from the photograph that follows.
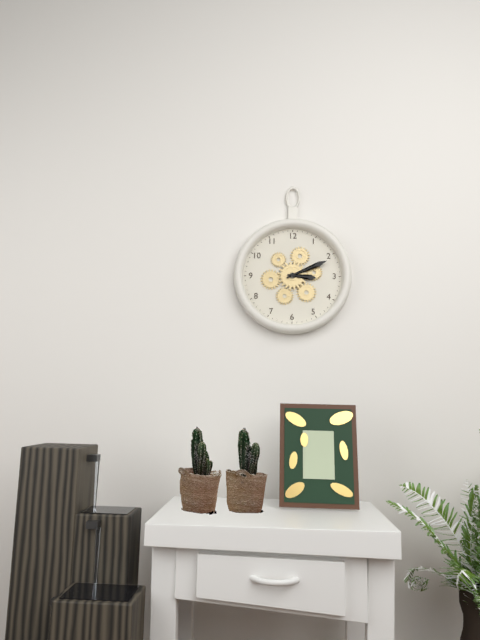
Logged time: 3,11
